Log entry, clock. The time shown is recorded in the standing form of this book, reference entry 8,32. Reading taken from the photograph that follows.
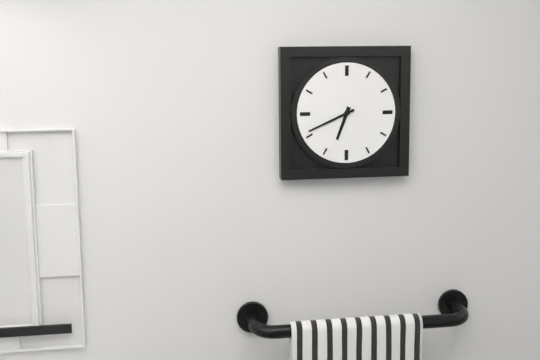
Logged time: 6,41
